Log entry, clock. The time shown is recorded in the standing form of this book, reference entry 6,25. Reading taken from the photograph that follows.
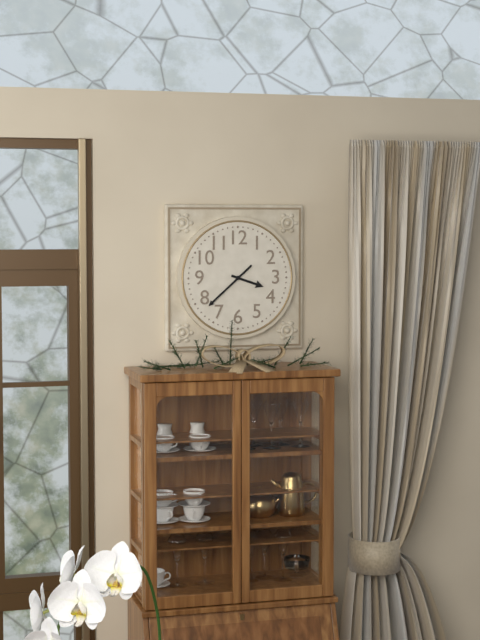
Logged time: 3,38
